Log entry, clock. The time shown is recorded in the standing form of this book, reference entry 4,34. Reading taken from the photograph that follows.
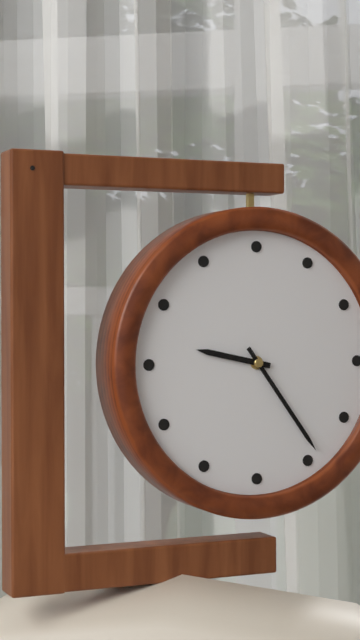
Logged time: 9,24
